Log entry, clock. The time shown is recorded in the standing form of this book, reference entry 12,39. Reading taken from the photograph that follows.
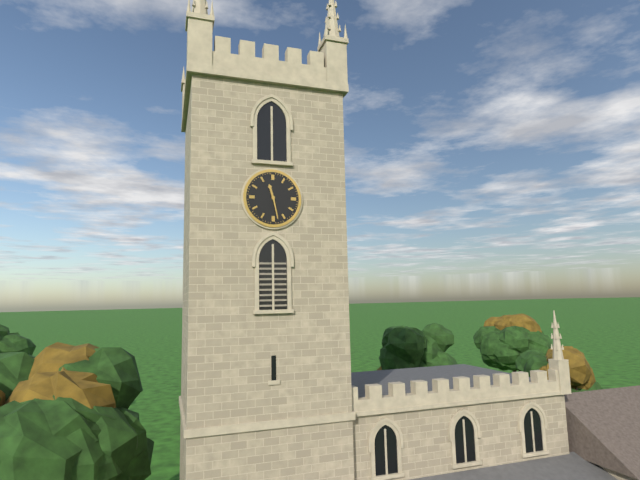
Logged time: 11,28
